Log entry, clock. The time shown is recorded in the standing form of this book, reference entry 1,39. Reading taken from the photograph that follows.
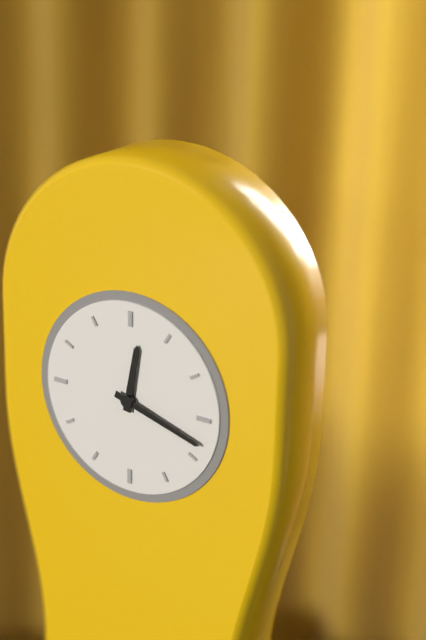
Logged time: 12,18
